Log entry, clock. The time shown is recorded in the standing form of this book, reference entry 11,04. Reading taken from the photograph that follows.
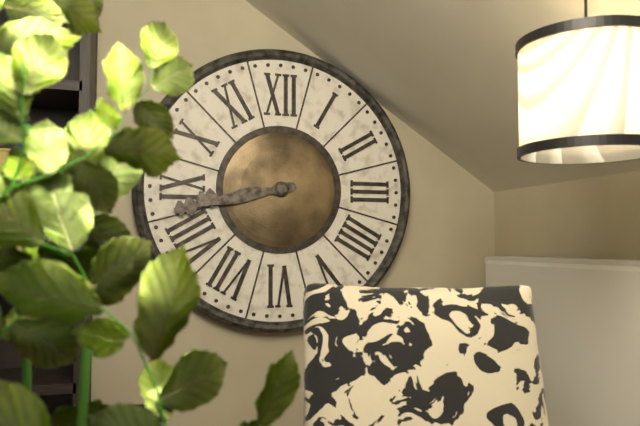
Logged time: 8,43
